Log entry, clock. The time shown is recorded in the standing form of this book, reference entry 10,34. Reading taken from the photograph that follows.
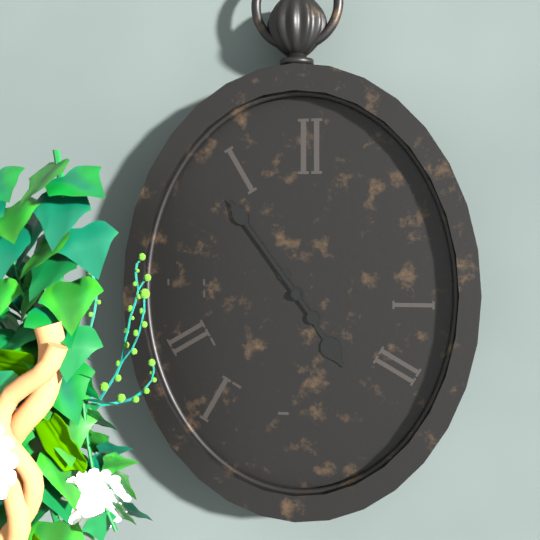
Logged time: 4,54
